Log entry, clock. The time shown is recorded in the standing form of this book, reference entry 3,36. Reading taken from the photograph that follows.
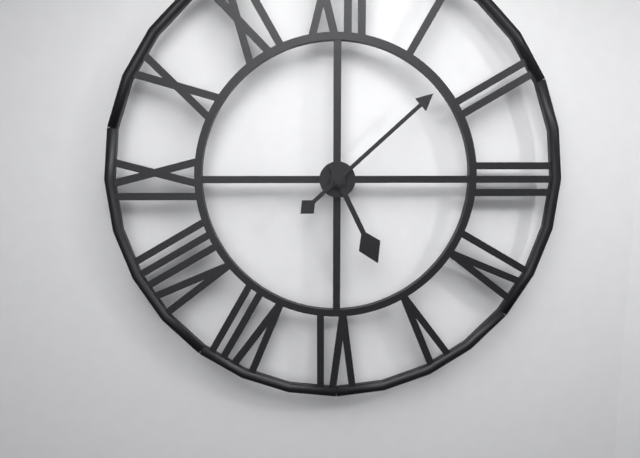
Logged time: 5,08
